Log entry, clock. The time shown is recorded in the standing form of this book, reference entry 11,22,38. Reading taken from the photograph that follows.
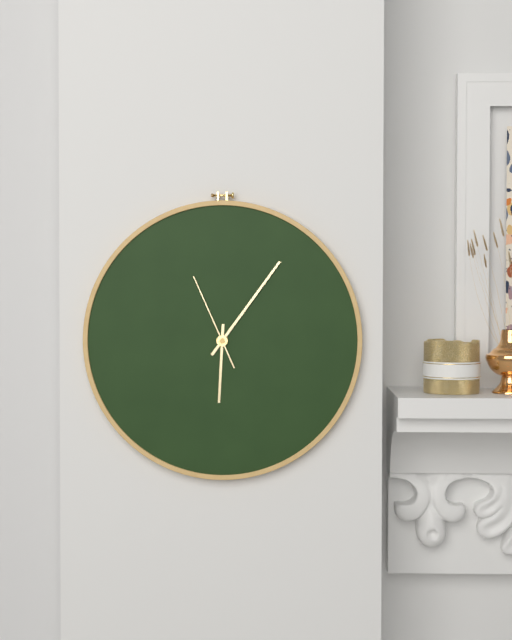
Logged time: 6,06,56
